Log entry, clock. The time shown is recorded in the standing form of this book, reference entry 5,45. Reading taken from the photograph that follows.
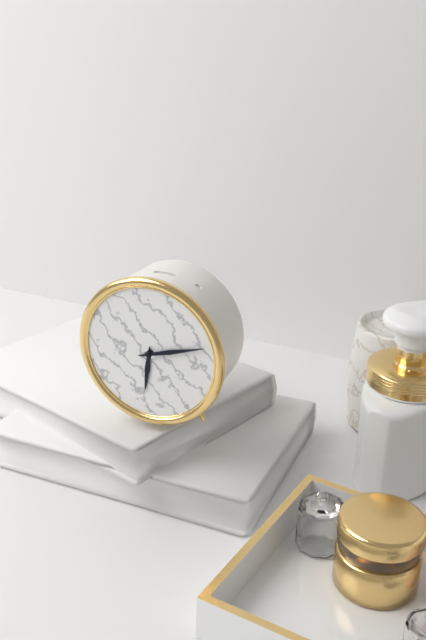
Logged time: 6,12
